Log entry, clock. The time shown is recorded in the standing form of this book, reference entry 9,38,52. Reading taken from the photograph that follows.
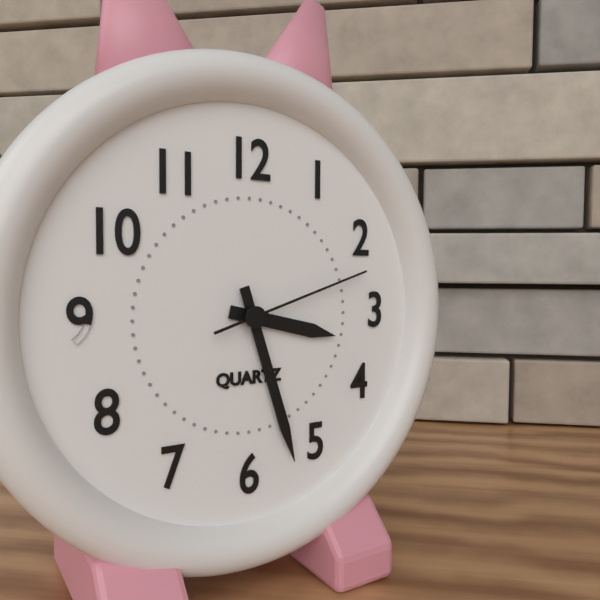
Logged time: 3,27,12
